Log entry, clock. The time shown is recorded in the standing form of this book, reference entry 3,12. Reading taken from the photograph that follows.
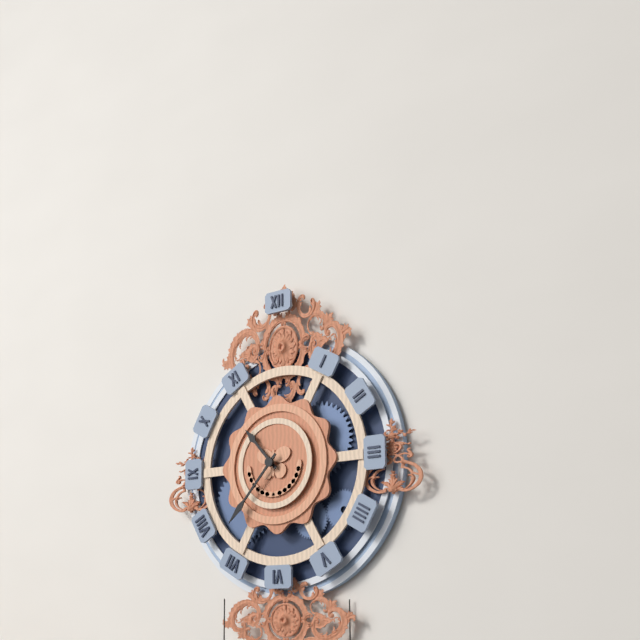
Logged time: 10,37
